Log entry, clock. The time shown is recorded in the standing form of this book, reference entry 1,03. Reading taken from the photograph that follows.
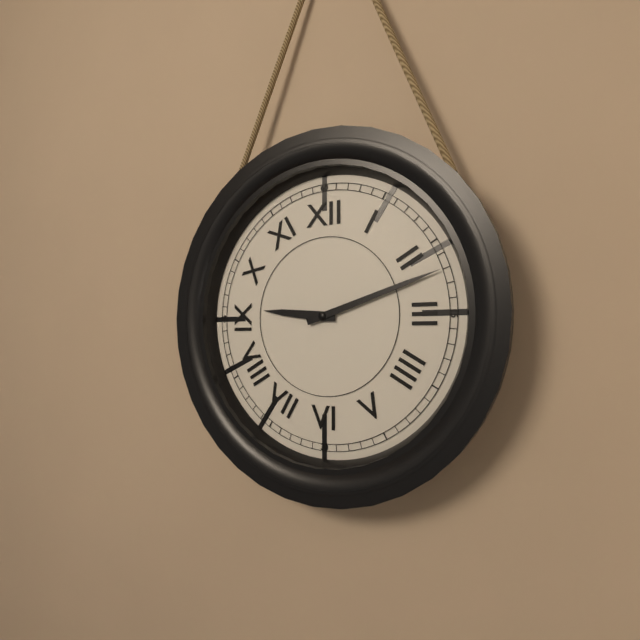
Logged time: 9,12
